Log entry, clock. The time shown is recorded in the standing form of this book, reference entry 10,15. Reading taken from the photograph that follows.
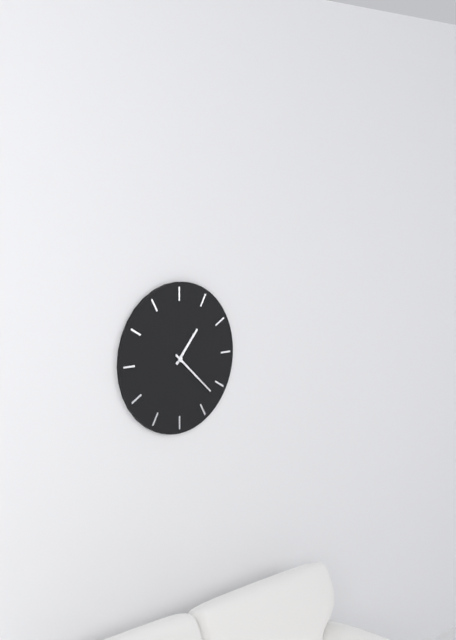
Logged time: 1,22
